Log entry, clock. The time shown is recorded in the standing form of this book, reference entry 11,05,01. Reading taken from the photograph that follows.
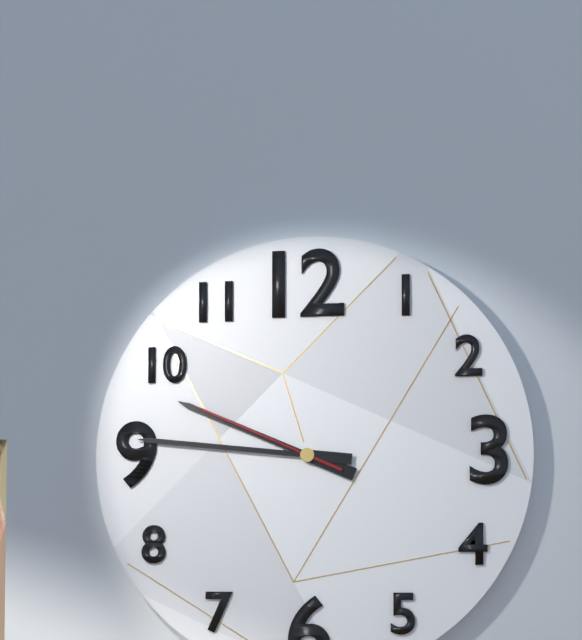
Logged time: 9,46,49
